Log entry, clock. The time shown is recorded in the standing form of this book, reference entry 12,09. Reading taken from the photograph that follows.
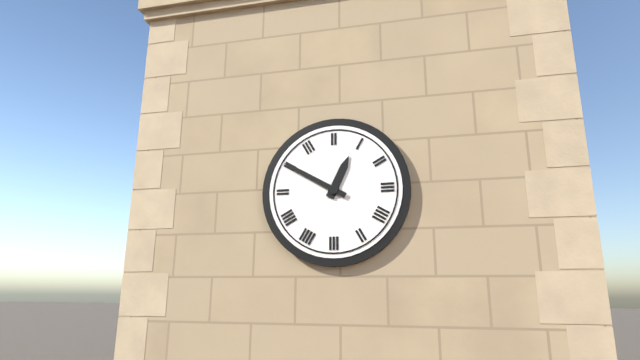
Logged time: 12,50
